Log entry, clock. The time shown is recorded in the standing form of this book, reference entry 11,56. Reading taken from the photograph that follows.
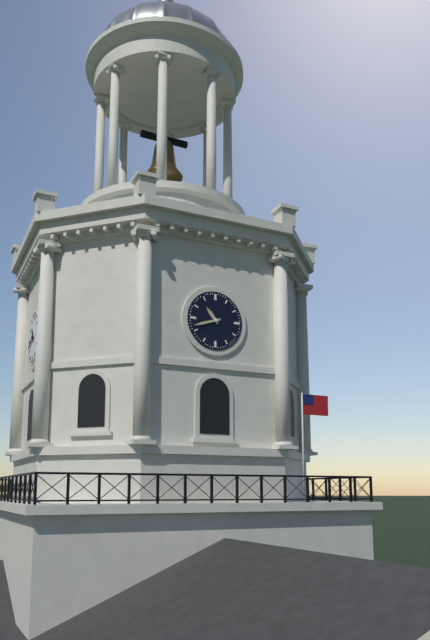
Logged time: 10,42
